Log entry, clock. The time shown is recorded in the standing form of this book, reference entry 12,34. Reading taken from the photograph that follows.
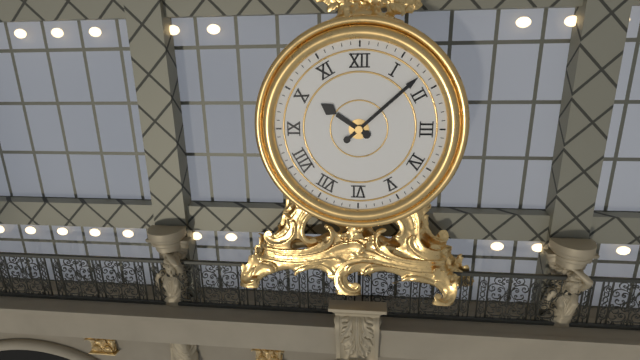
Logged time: 10,08
